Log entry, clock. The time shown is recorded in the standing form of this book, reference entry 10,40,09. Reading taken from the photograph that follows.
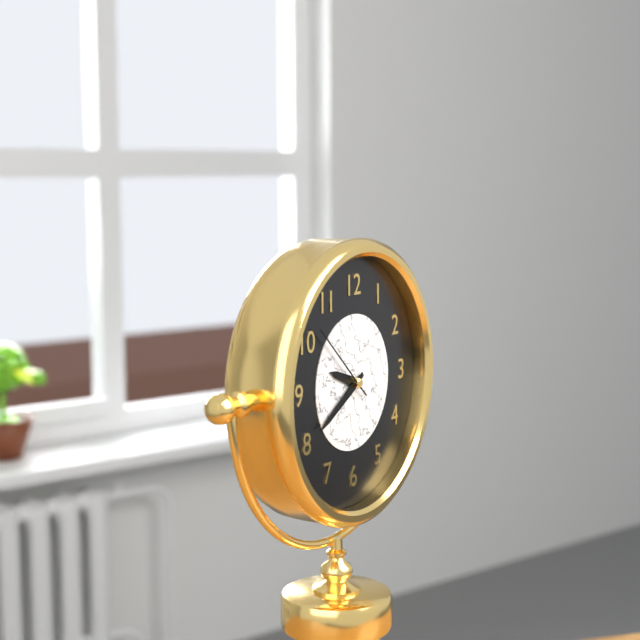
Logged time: 9,40,52
